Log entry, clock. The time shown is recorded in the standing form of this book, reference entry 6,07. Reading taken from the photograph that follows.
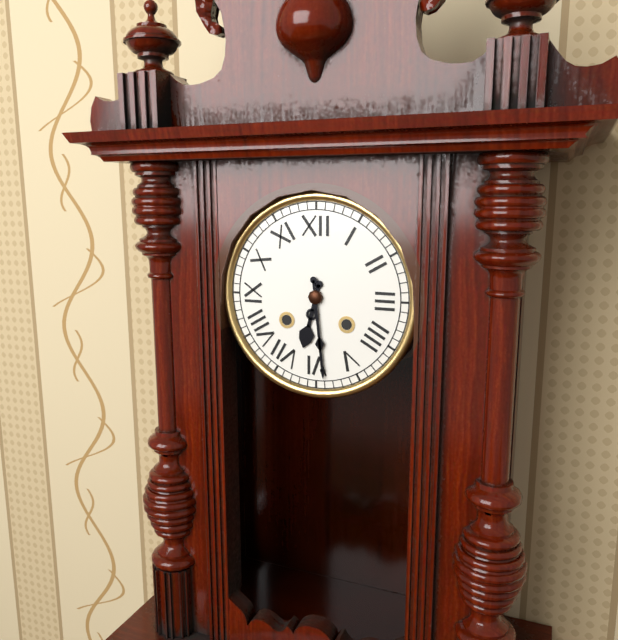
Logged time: 6,29
